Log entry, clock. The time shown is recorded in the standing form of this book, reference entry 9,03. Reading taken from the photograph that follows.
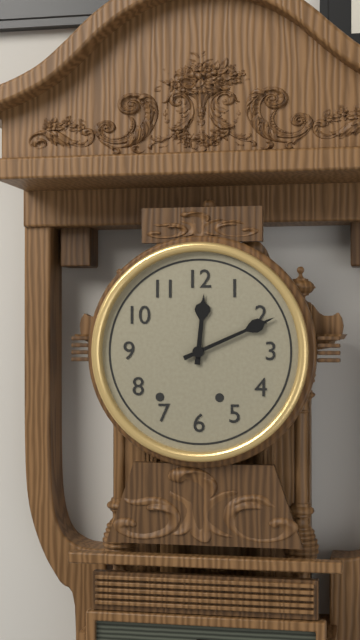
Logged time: 12,11
